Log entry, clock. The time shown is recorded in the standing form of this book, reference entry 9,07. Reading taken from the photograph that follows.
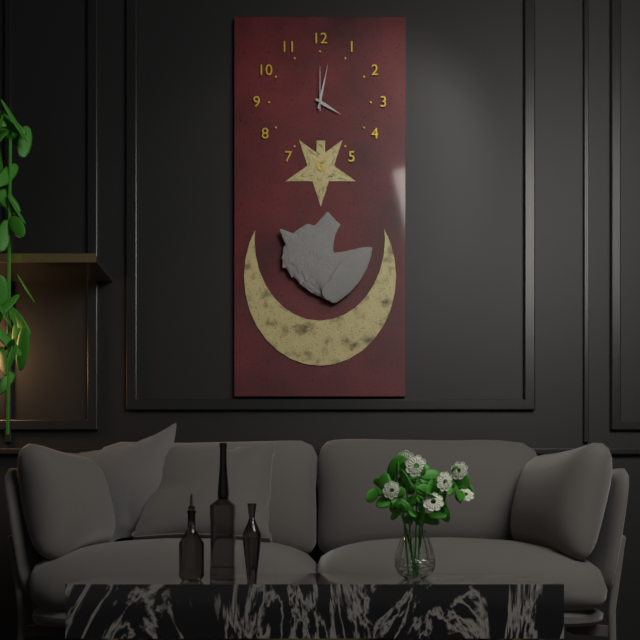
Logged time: 4,02
